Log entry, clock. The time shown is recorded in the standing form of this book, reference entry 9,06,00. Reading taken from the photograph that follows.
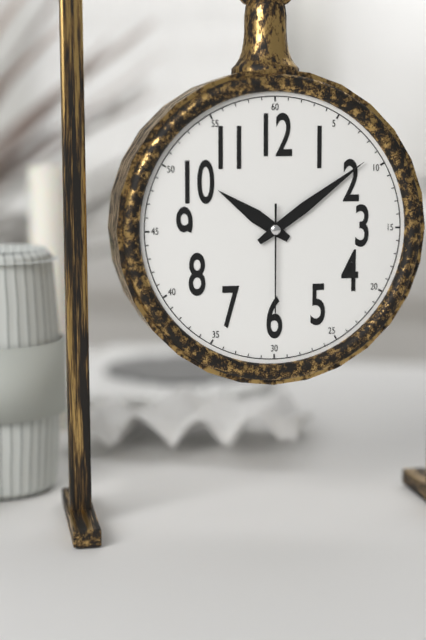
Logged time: 10,09,30
